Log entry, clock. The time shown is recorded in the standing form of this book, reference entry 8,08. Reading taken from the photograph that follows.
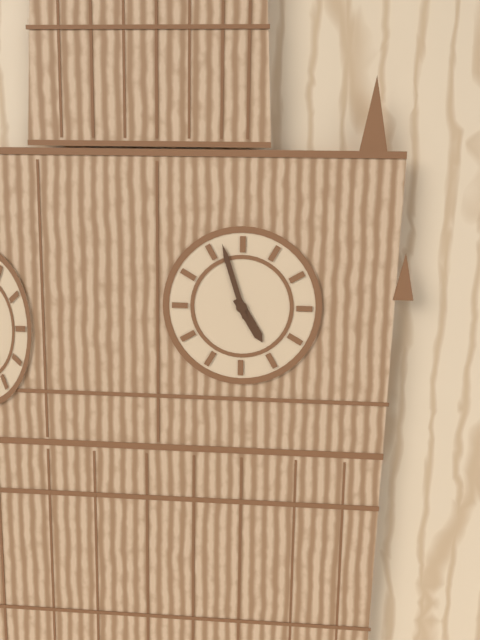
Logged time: 4,57
